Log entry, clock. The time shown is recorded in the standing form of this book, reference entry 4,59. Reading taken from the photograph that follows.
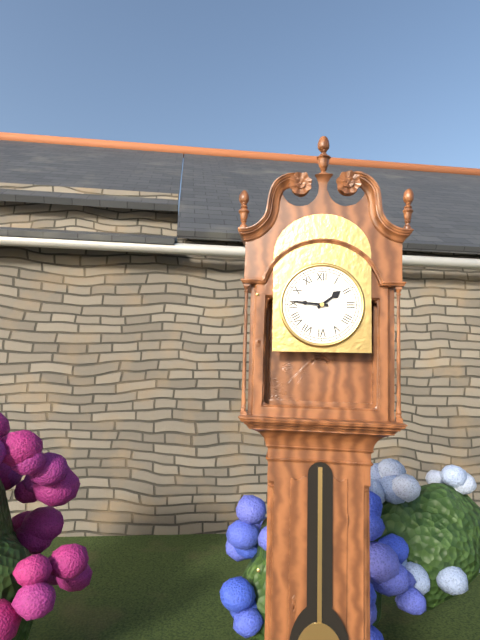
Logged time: 1,46
